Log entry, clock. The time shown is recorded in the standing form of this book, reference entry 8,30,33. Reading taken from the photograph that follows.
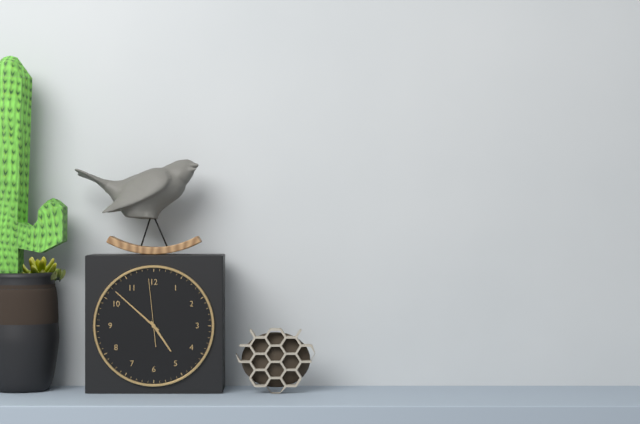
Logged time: 4,52,59
